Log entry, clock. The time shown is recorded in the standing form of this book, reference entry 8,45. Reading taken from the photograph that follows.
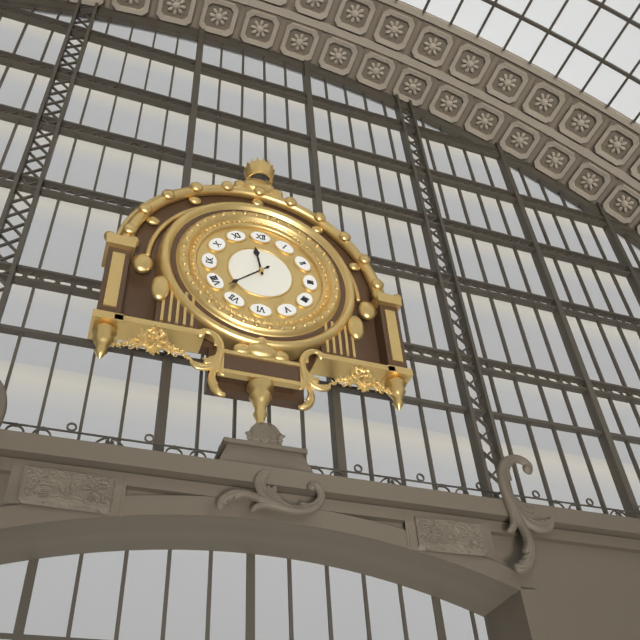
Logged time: 11,38
